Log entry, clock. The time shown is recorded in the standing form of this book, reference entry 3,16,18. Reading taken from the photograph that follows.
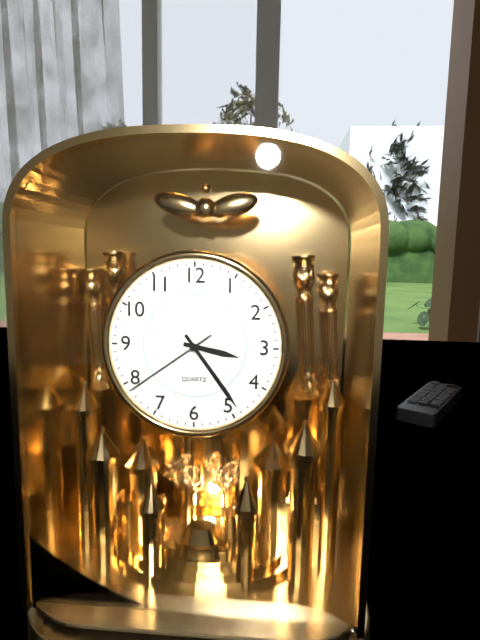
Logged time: 3,24,39
